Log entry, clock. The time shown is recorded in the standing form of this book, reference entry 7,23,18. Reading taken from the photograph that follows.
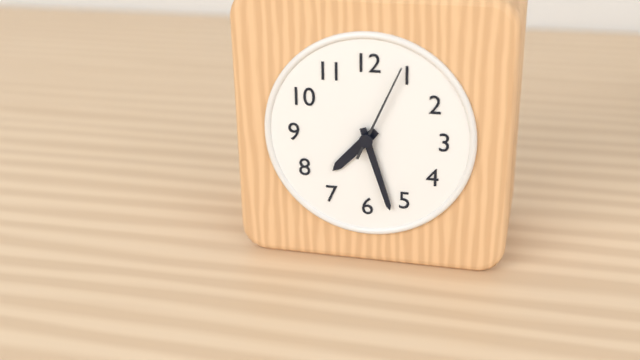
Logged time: 7,27,04
